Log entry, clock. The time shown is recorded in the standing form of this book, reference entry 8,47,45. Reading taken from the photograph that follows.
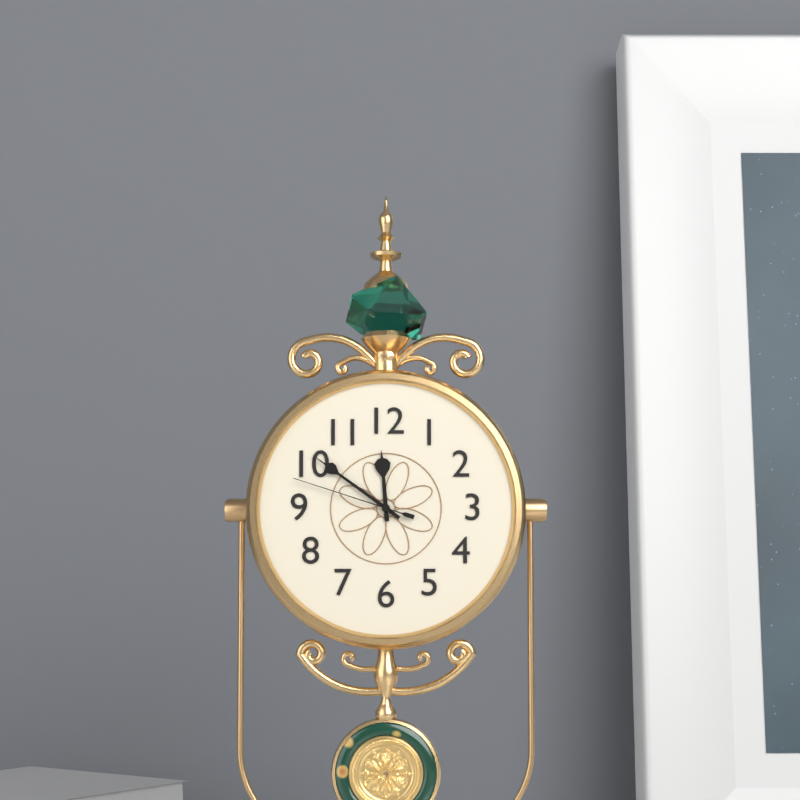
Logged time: 11,51,48
